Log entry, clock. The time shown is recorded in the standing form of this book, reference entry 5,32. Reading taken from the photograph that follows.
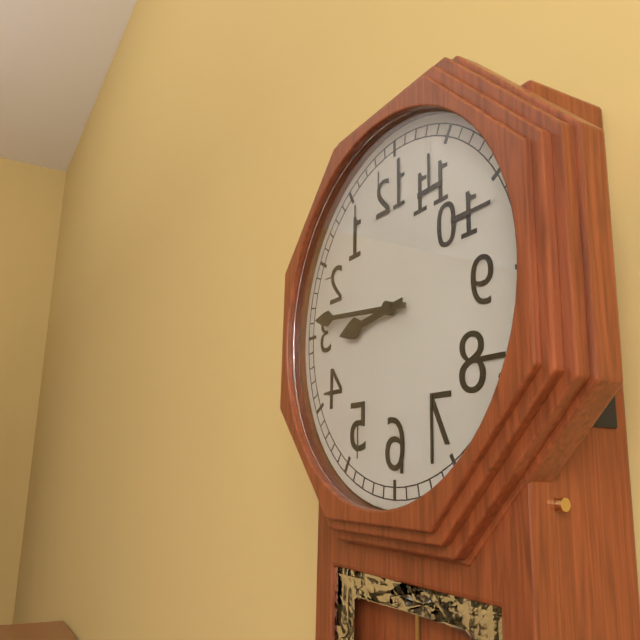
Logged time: 8,46
